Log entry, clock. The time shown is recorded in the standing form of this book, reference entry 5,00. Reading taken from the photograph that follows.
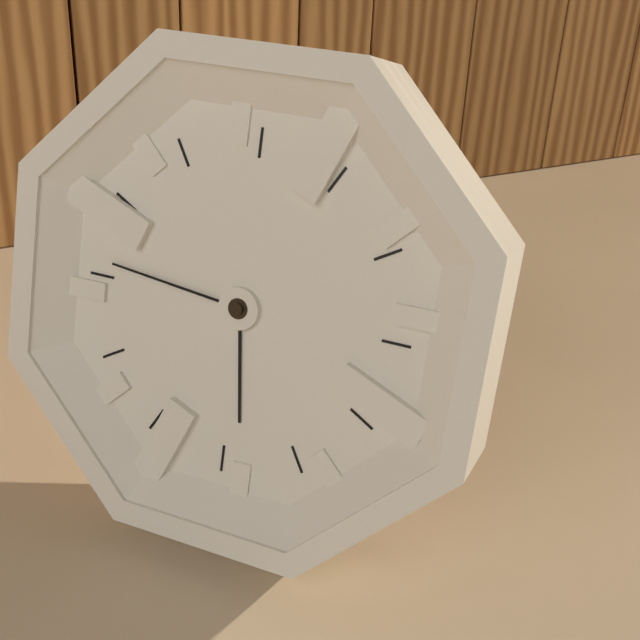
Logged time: 5,46
